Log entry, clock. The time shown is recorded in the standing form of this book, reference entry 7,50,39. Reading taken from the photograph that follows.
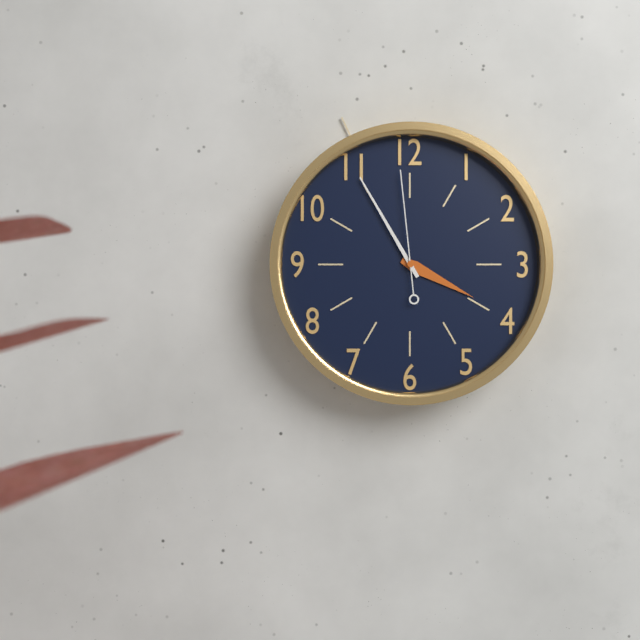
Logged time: 3,55,59
